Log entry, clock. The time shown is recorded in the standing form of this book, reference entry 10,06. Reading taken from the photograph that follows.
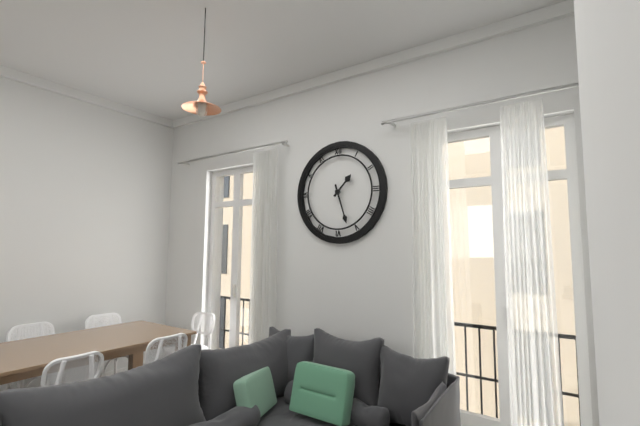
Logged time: 1,27
